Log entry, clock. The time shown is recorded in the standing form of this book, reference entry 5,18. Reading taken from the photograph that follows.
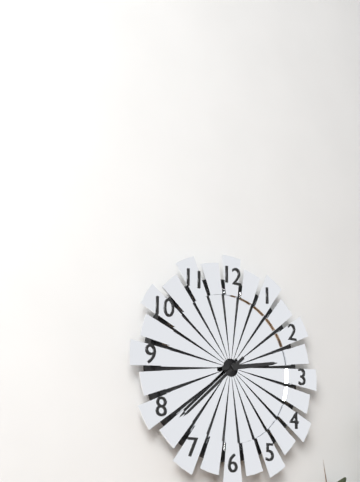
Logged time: 2,38
